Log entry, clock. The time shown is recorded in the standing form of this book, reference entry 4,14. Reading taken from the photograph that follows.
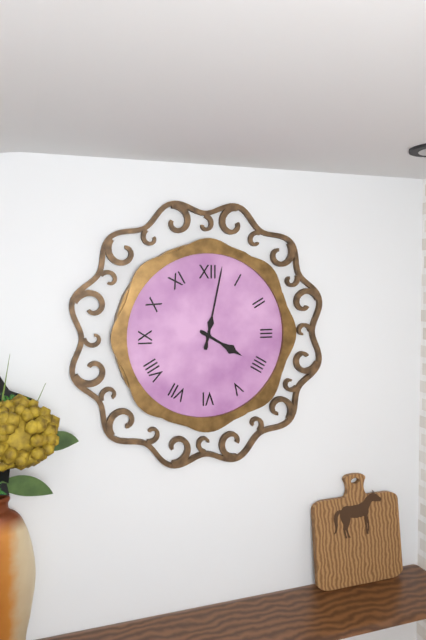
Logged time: 4,02
